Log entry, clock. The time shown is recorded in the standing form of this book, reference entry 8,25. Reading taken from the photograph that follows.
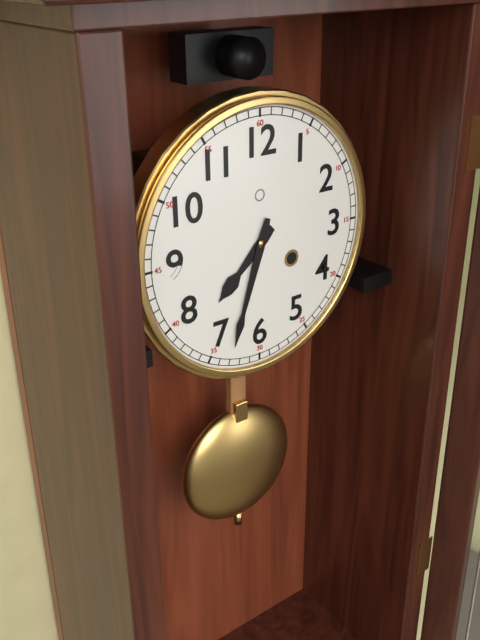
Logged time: 7,33
